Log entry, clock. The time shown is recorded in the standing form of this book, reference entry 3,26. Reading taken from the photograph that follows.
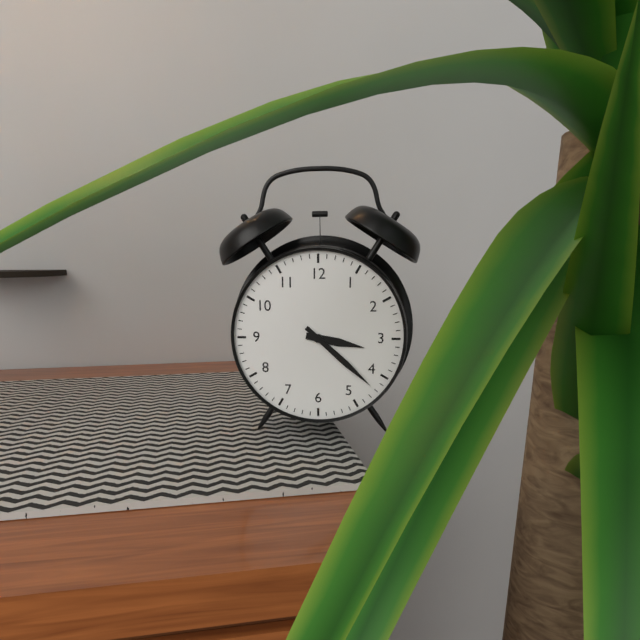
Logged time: 3,22
